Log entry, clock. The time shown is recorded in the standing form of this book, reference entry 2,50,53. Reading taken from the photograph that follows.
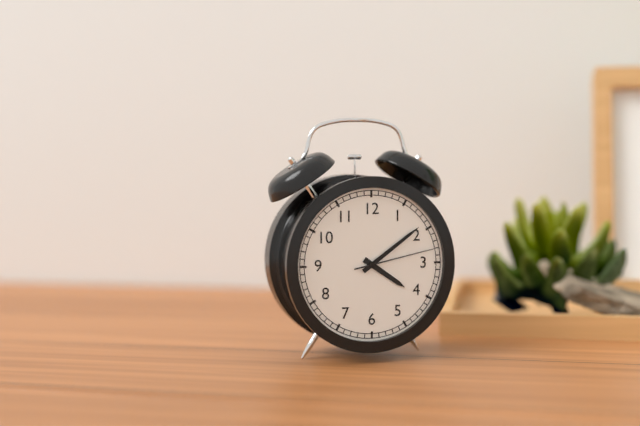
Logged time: 4,09,13
